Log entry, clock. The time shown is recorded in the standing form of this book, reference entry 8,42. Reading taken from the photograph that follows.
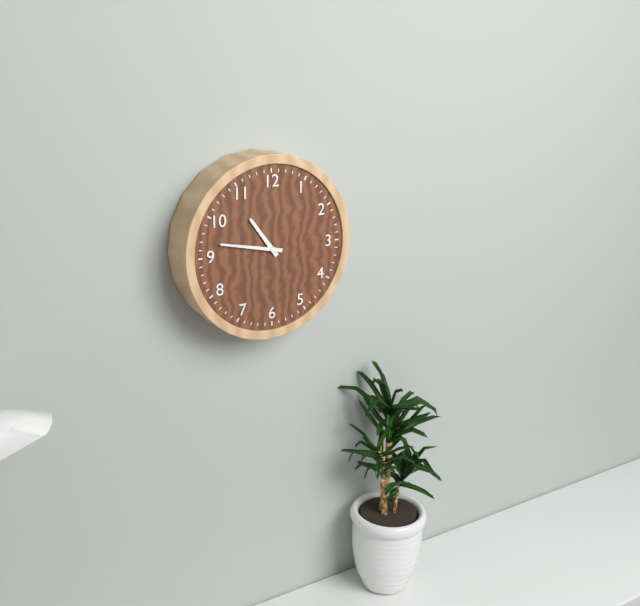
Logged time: 10,47
